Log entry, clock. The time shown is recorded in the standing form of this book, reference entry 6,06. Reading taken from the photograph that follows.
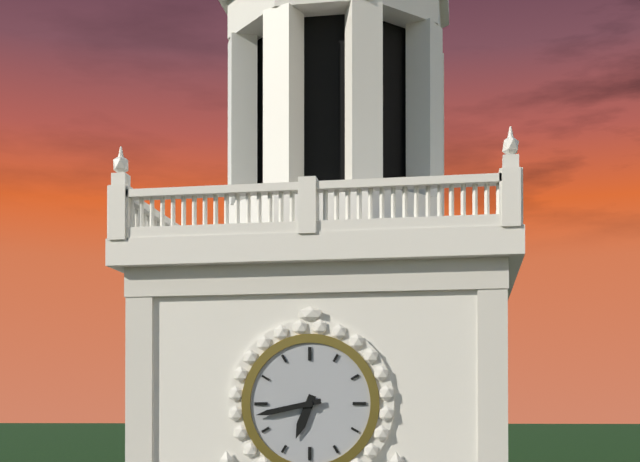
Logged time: 6,43
